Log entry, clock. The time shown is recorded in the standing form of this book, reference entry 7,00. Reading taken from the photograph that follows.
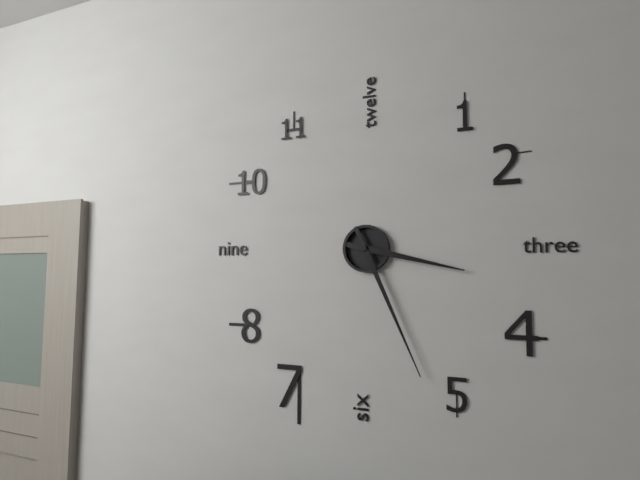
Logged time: 3,26
